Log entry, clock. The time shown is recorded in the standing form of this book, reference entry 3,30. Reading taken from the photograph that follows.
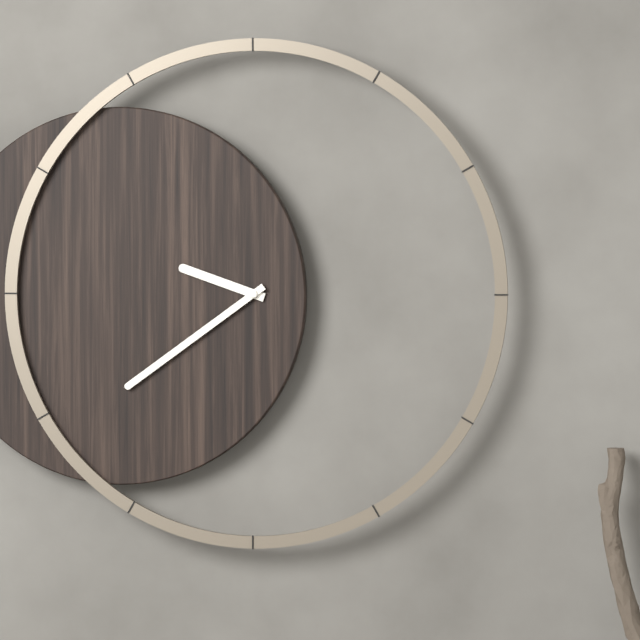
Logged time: 9,39
